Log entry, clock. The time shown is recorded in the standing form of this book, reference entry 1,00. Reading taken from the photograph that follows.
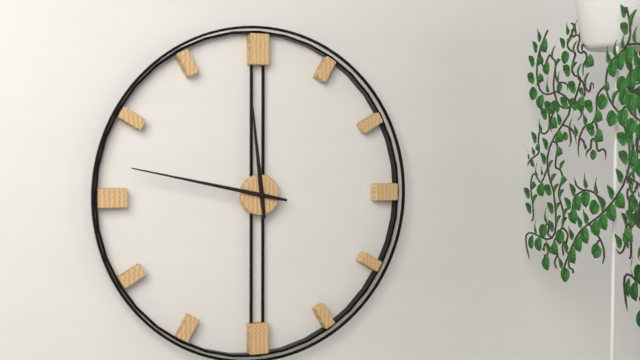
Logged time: 11,47
